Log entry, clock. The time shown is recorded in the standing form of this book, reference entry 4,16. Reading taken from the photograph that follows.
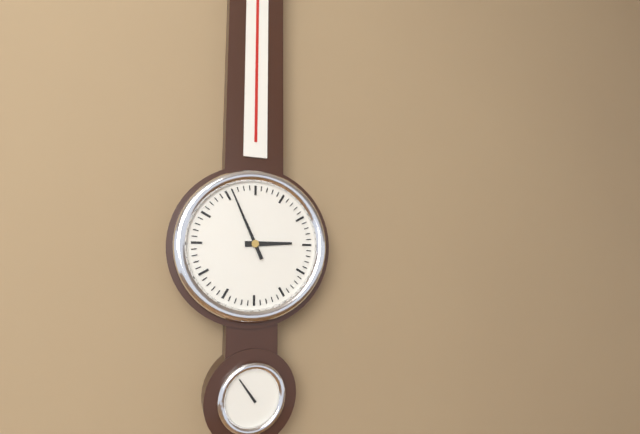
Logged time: 2,56
